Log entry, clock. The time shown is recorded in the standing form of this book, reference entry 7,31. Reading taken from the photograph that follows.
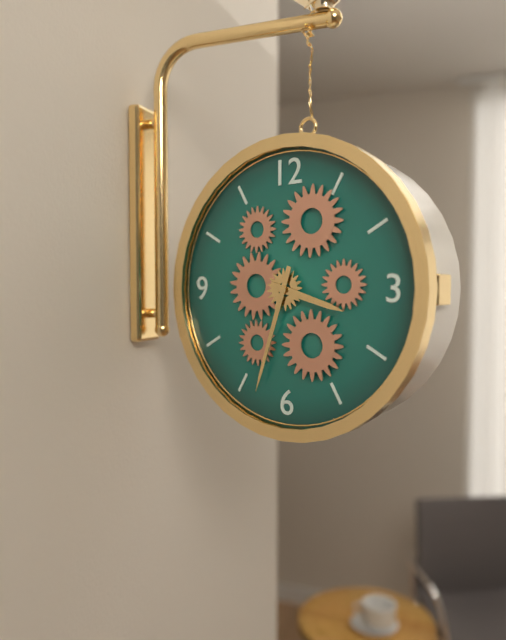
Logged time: 3,33
